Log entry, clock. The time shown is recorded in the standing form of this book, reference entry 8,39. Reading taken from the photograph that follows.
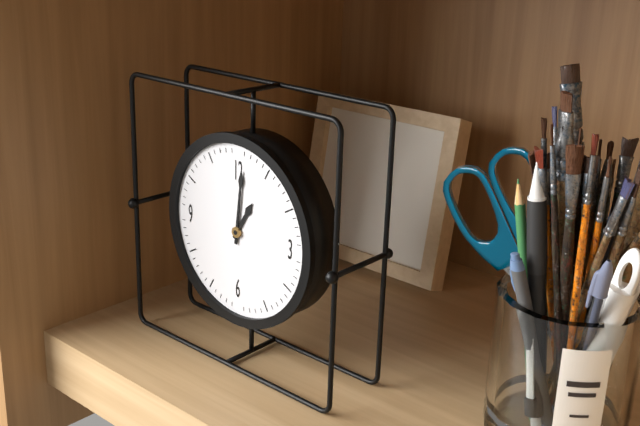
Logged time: 1,01
